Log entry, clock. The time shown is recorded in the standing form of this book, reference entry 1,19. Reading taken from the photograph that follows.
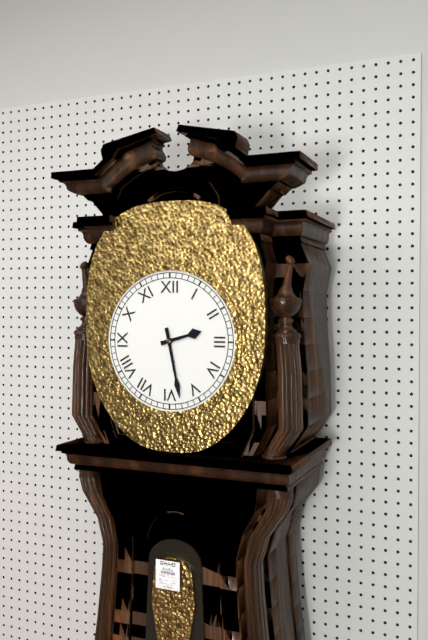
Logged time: 2,28
